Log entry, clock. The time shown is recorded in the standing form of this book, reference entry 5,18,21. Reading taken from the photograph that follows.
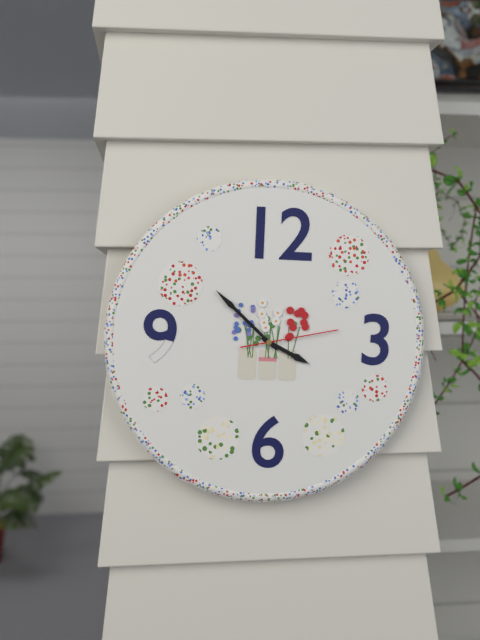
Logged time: 3,52,13
